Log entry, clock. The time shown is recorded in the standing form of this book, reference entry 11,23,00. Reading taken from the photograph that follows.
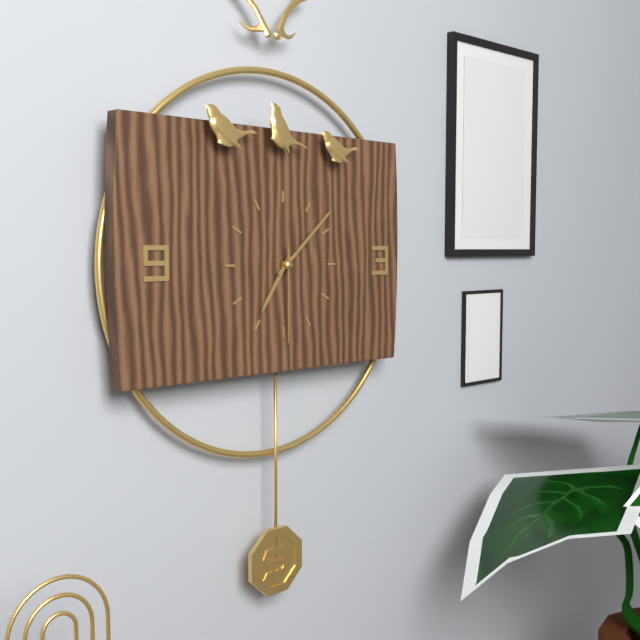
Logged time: 7,08,30
